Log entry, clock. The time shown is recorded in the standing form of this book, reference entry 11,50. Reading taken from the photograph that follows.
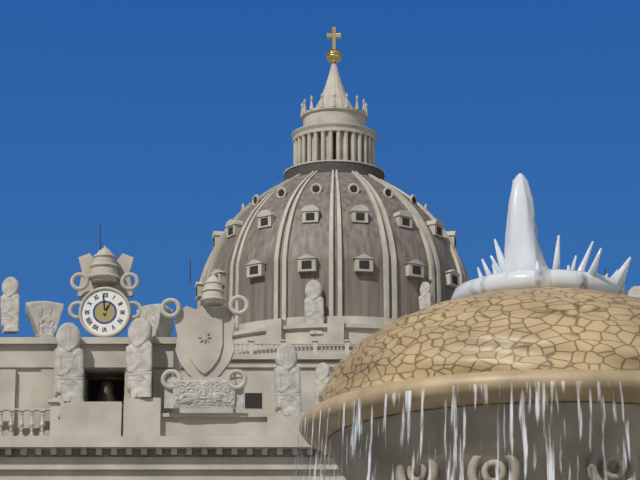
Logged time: 12,59
